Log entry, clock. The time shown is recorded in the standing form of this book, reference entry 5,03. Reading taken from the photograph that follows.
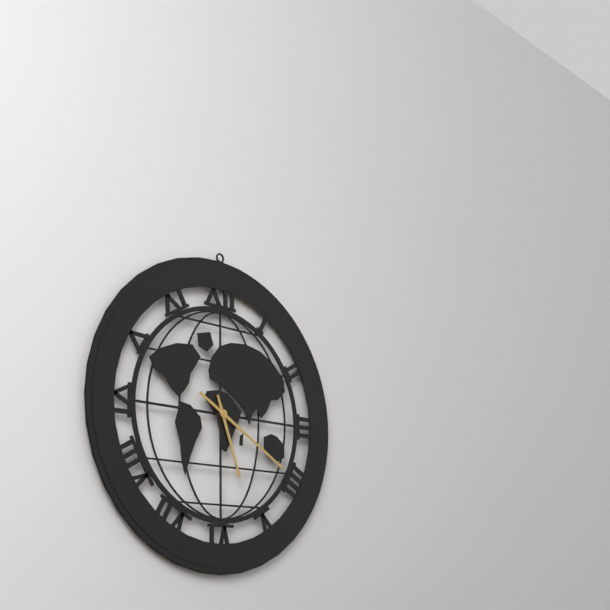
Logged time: 5,20
